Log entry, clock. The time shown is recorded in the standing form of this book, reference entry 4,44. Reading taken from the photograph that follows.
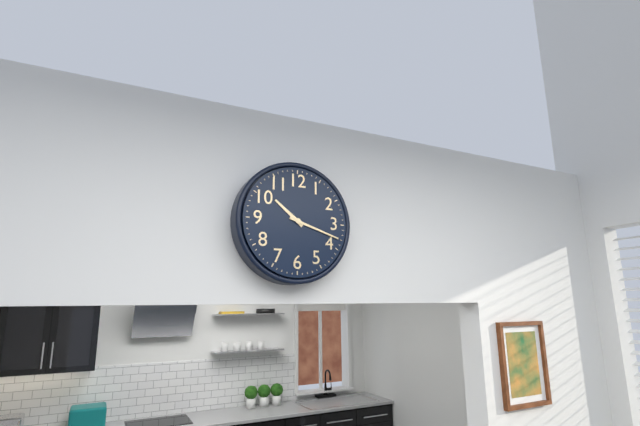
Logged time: 10,18
